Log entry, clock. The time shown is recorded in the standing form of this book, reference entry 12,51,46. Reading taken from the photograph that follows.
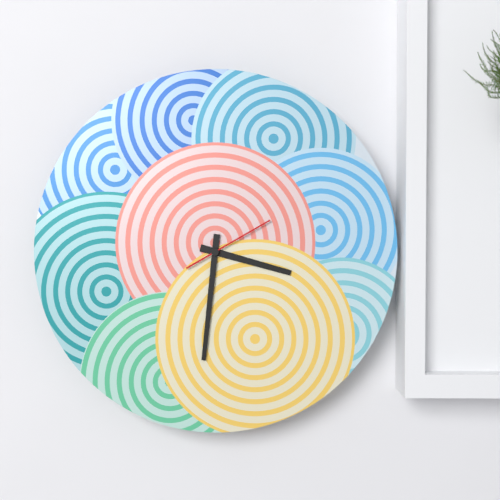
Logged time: 3,31,10
